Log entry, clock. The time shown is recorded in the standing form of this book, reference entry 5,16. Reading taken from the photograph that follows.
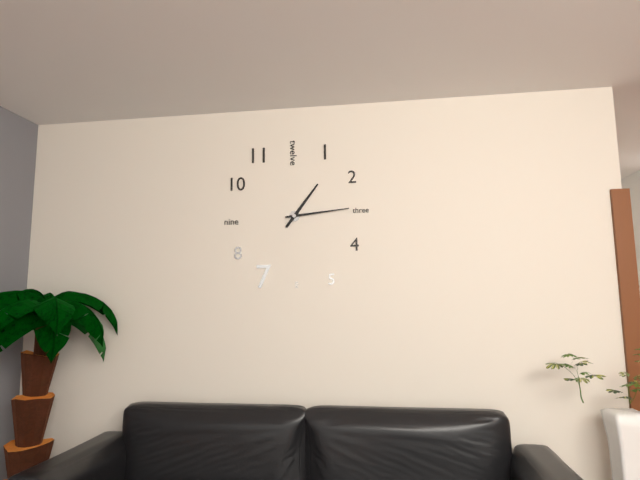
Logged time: 1,14
